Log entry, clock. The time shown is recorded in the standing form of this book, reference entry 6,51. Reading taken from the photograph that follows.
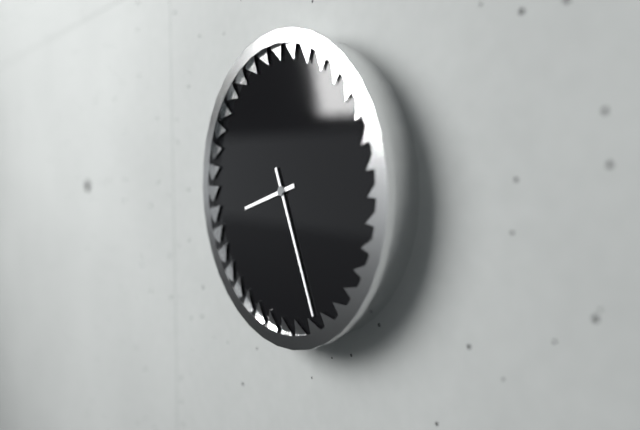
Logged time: 8,26
